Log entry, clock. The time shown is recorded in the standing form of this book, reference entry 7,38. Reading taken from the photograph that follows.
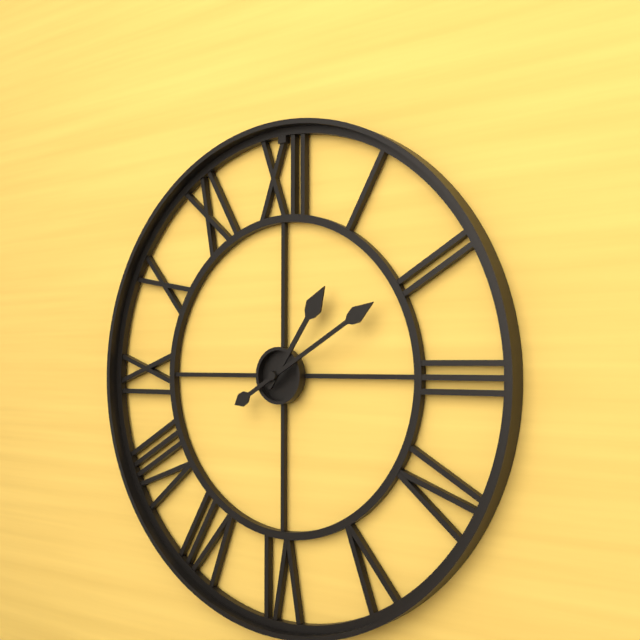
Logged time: 1,10
